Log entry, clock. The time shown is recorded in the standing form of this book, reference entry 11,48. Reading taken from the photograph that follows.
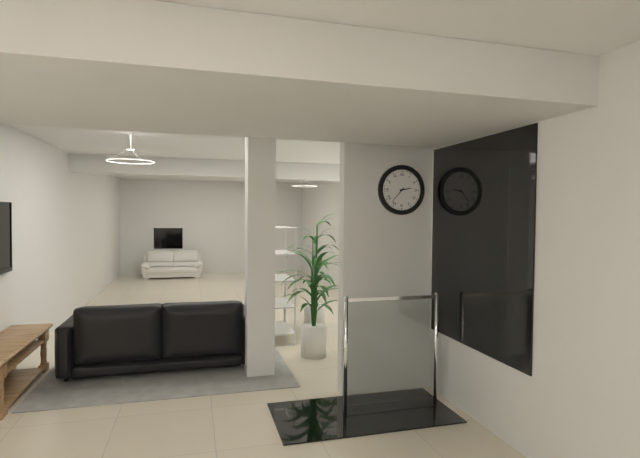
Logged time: 2,37
